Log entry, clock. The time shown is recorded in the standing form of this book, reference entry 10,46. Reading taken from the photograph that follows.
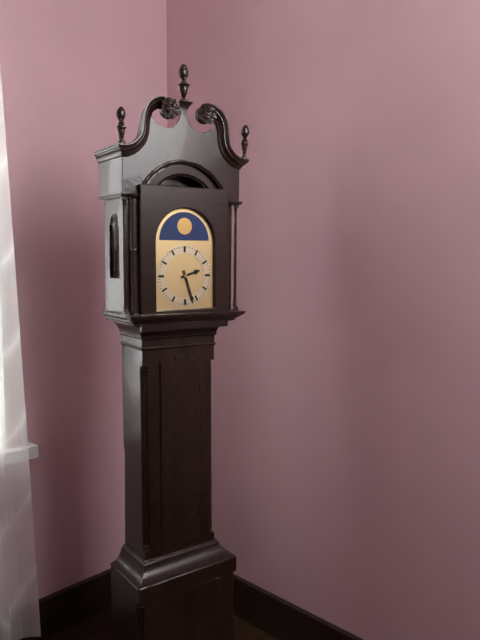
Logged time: 2,27
